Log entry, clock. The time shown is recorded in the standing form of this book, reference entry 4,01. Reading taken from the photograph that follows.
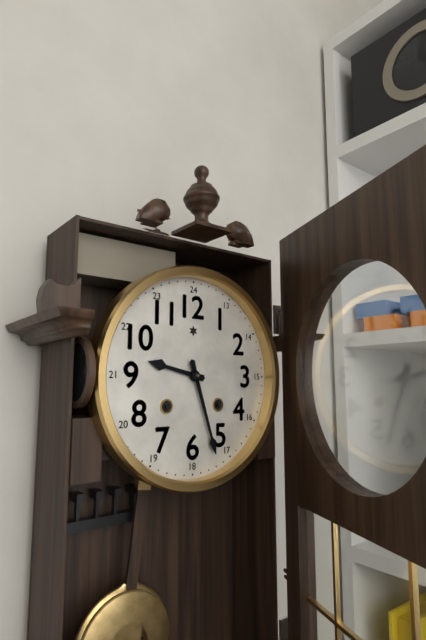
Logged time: 9,27
